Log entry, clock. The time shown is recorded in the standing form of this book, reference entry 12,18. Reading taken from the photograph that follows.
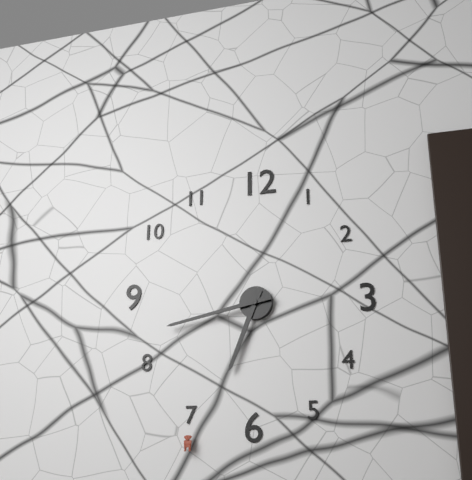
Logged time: 6,43
